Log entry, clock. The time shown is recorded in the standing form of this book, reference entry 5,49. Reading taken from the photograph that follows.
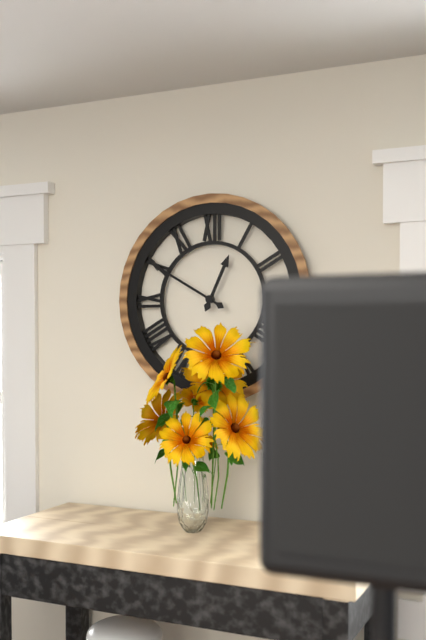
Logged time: 12,50
